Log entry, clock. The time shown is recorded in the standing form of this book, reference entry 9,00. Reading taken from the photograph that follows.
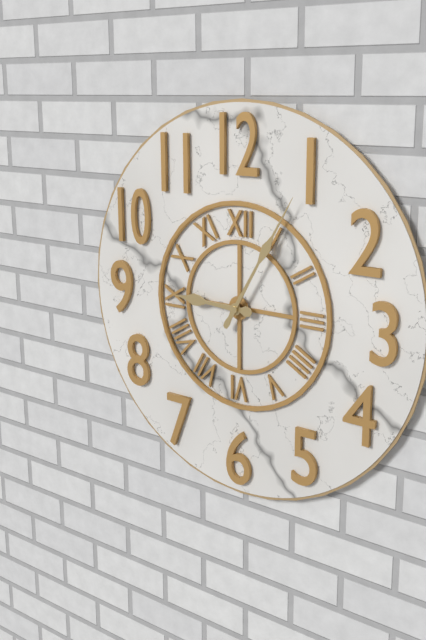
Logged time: 9,05
